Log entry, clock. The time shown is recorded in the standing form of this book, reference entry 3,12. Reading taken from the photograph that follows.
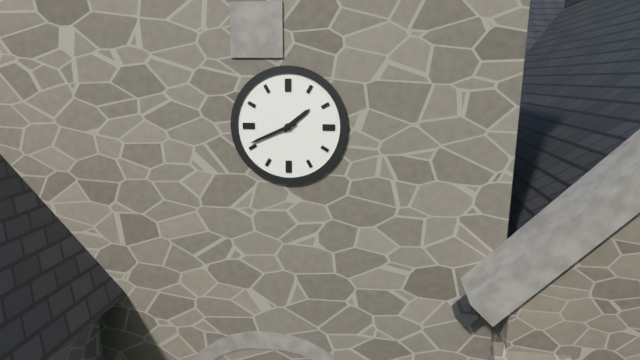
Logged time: 1,41
